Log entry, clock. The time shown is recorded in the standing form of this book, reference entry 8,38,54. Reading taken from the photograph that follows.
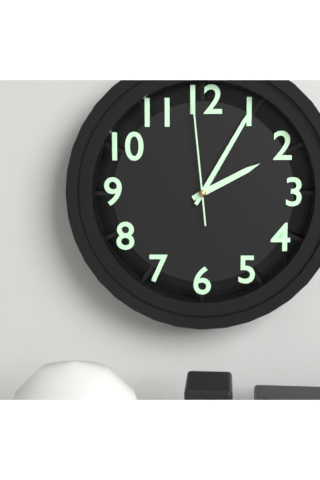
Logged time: 2,05,59
